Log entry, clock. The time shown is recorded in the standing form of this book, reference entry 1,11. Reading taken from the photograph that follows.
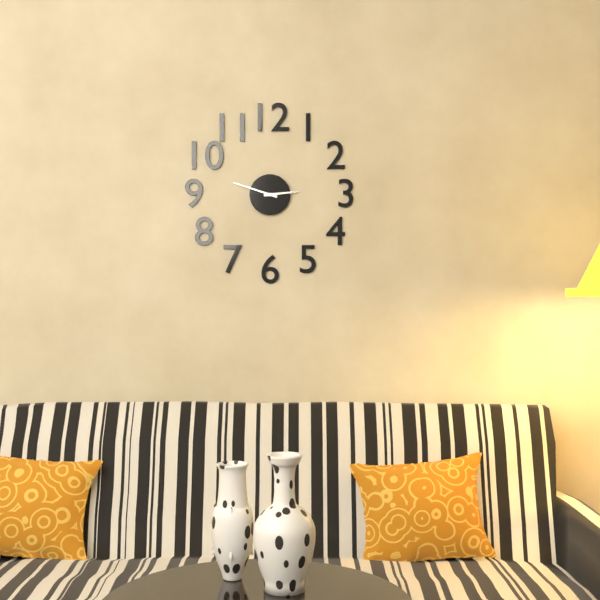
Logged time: 2,48
